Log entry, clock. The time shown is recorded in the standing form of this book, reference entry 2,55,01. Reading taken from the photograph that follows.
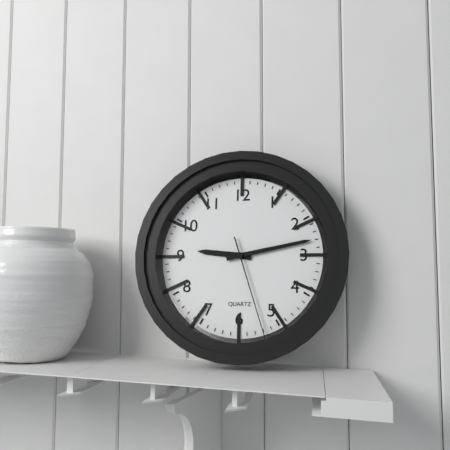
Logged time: 9,13,27
